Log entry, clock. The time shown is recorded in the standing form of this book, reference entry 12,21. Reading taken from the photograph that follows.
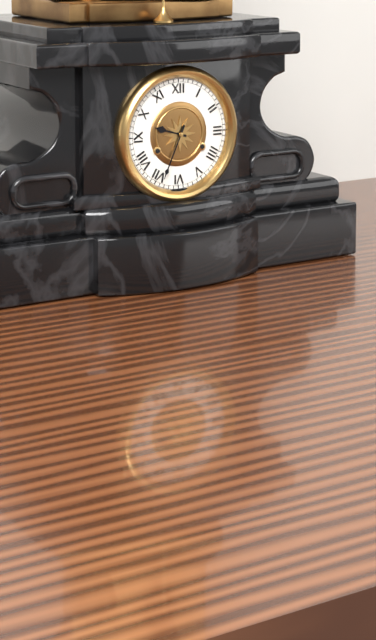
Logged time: 9,34
